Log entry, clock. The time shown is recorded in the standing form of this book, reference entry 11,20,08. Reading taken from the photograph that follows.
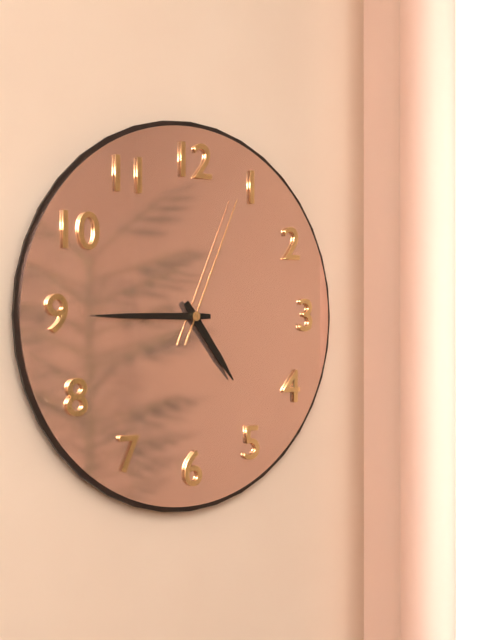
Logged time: 4,45,04
